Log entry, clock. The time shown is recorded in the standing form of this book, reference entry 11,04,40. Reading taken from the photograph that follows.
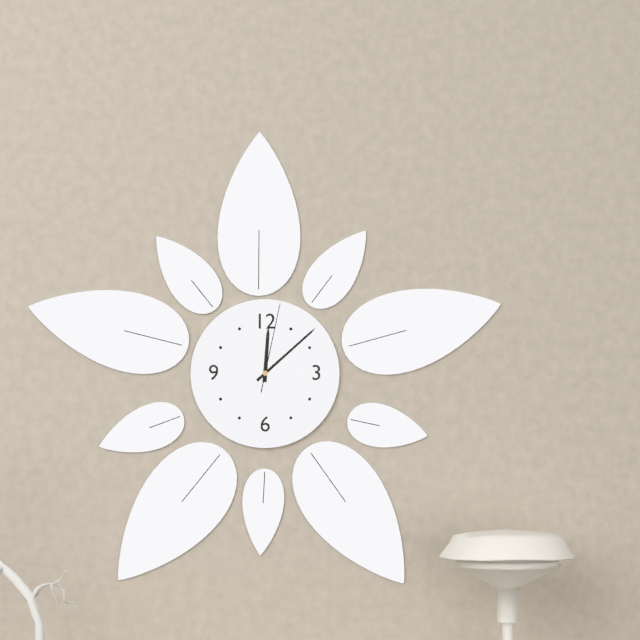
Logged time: 12,08,02
